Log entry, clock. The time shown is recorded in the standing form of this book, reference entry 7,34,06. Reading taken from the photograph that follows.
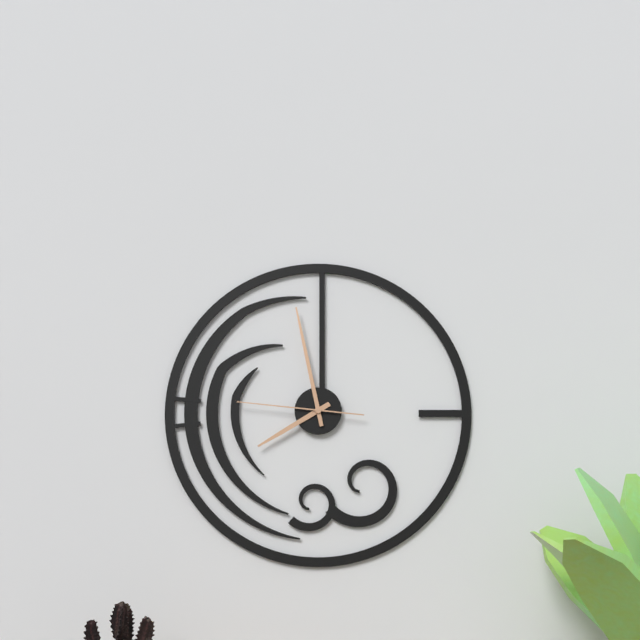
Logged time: 7,58,46
